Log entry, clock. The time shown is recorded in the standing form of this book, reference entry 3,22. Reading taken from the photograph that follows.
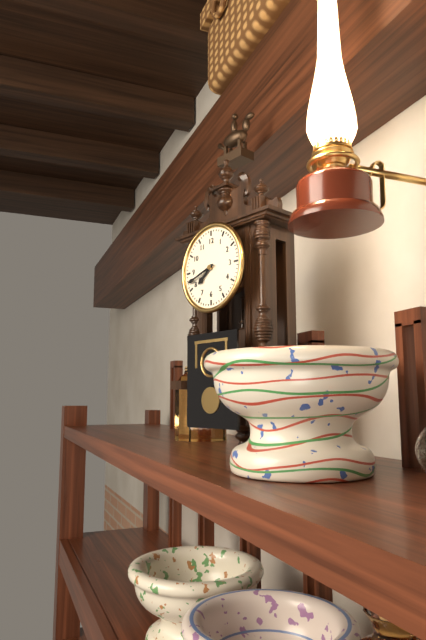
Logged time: 7,42
